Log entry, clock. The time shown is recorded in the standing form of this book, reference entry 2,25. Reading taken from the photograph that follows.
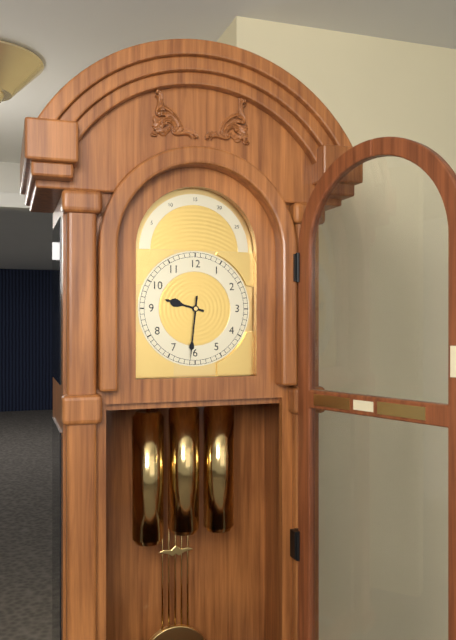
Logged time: 9,31
